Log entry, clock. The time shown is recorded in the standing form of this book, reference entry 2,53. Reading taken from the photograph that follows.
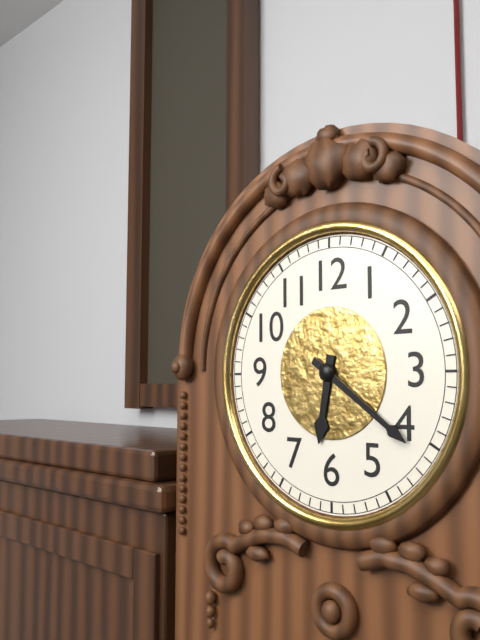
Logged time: 6,21
